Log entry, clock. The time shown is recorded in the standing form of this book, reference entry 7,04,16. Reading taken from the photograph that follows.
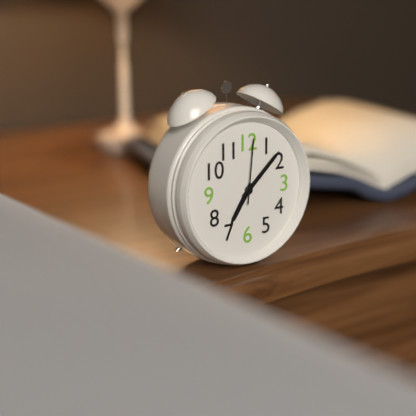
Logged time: 7,08,01
